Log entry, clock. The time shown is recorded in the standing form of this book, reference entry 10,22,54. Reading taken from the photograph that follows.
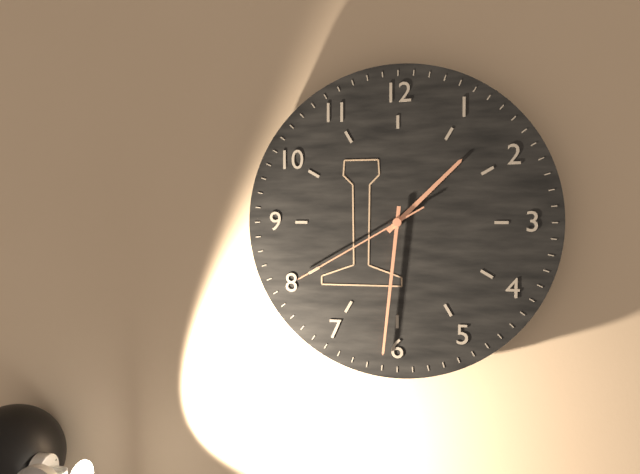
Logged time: 1,31,40
